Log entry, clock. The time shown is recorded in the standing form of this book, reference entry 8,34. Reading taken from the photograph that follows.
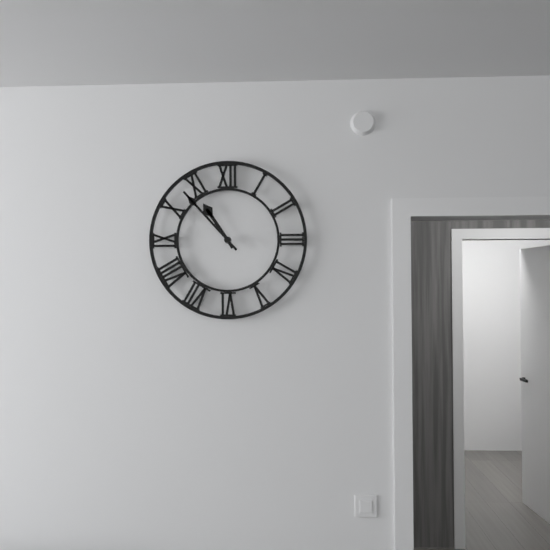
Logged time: 10,53
